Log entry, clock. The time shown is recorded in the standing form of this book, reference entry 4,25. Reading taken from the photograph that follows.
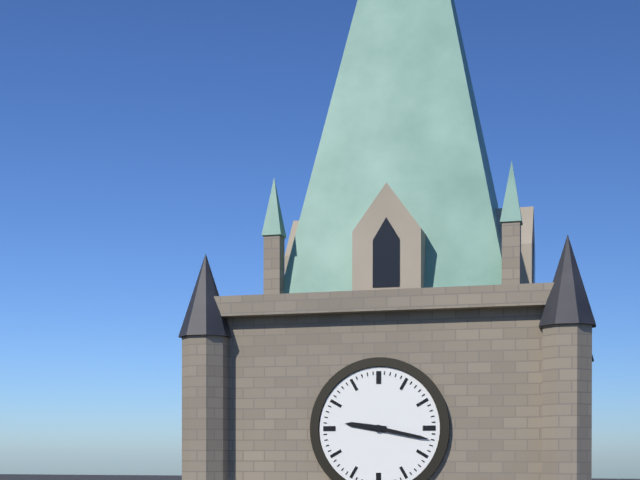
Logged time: 9,17
